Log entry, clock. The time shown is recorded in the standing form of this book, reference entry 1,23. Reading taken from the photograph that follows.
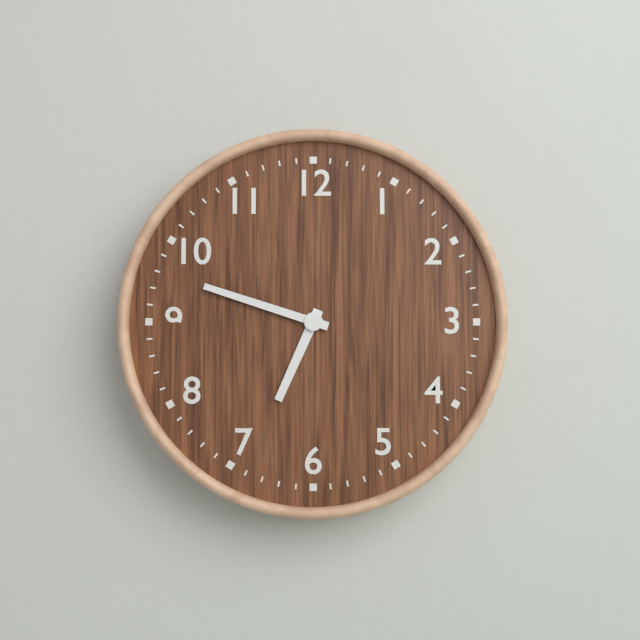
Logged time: 6,48
